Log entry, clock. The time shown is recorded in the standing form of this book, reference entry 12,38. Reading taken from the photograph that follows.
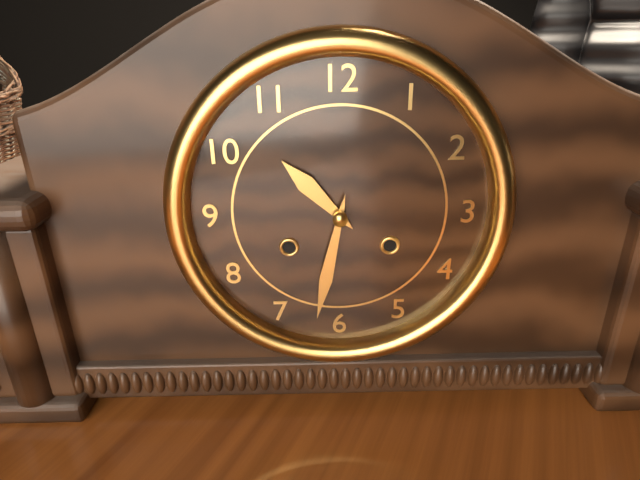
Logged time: 10,32
